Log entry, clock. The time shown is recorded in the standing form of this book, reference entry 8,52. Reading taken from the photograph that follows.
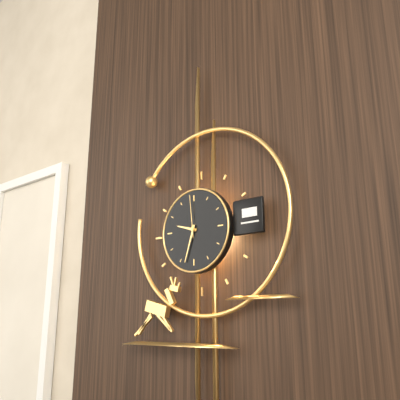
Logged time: 9,33
